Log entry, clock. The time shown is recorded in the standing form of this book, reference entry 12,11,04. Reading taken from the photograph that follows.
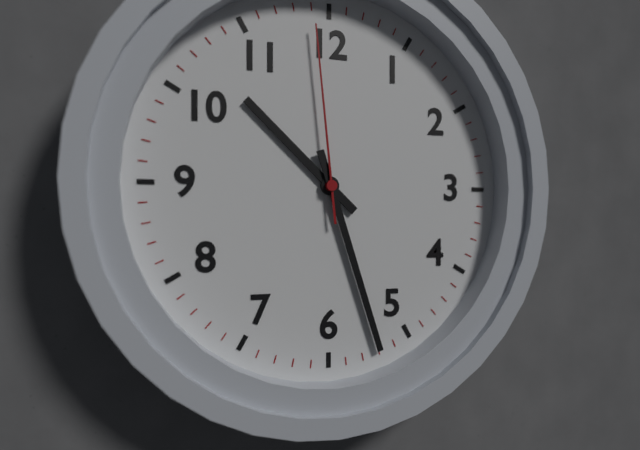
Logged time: 10,27,59
